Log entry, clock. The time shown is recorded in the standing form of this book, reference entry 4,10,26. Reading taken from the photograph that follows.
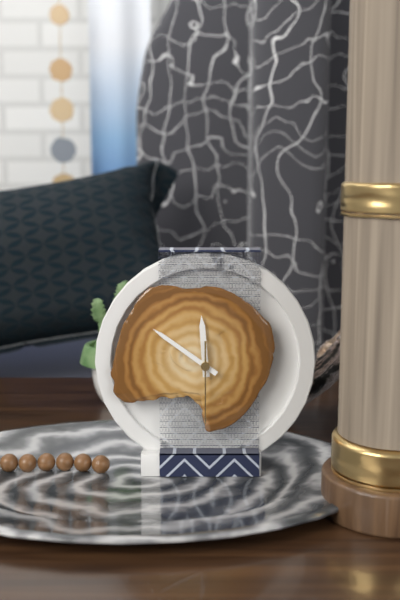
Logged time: 11,51,30
